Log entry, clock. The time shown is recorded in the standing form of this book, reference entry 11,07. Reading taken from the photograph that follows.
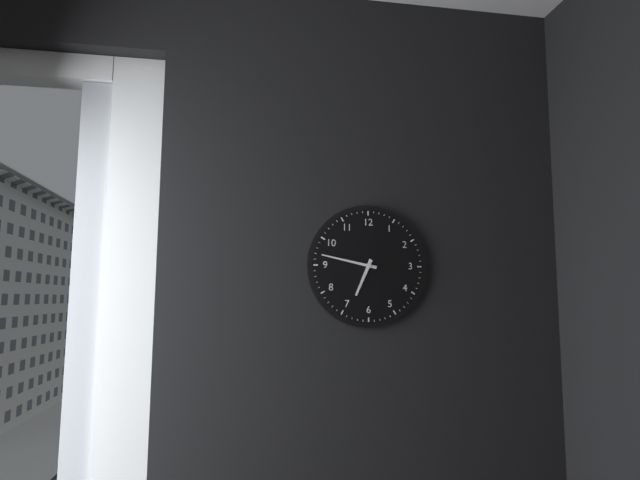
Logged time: 6,47
